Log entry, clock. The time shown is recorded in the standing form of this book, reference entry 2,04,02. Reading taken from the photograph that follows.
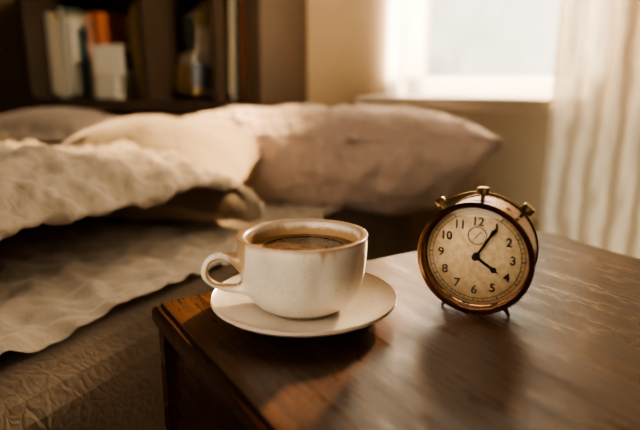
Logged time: 4,05,54
